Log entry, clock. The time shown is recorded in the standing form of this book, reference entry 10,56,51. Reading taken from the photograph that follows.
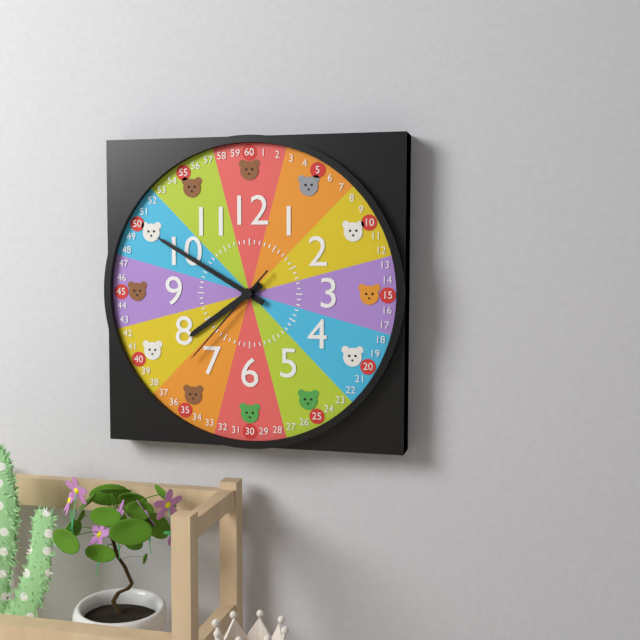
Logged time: 7,50,37
